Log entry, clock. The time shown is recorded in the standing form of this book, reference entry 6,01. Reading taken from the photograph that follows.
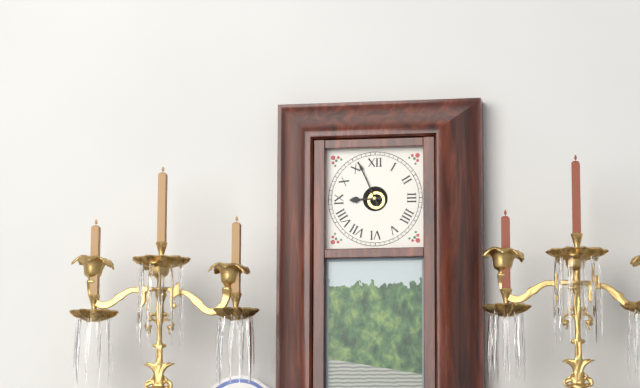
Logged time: 8,56
